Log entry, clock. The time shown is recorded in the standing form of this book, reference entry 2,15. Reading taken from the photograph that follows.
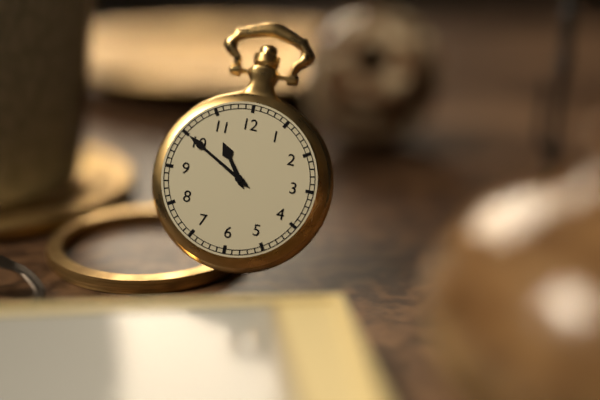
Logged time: 10,50
